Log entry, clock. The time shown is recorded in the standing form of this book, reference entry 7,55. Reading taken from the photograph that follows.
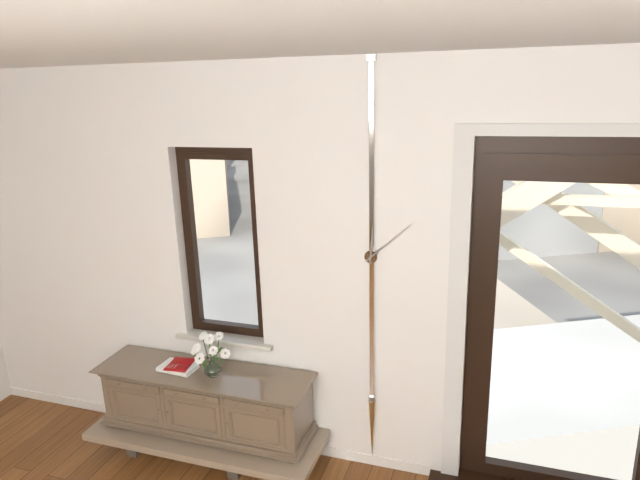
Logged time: 12,08
